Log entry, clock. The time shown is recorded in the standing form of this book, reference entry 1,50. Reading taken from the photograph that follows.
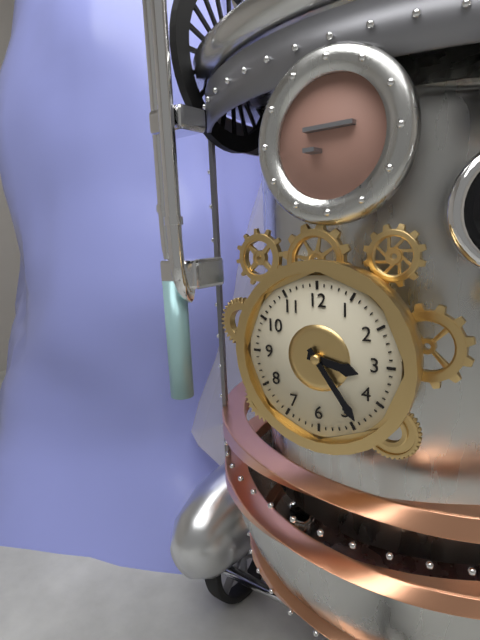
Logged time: 3,24
